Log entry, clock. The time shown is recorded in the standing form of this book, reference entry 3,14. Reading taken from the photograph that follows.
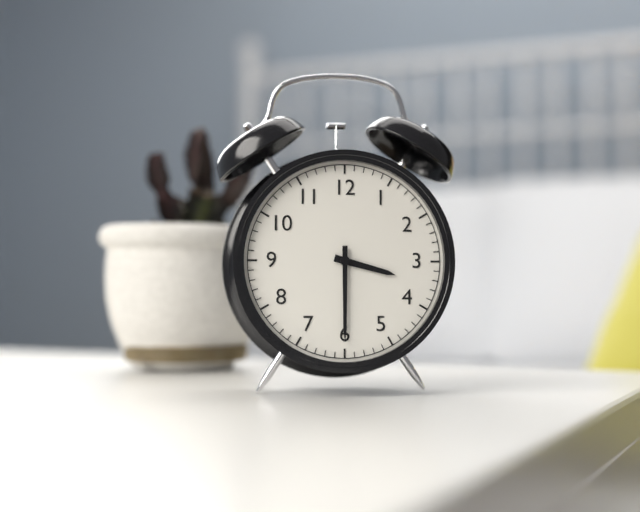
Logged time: 3,30
